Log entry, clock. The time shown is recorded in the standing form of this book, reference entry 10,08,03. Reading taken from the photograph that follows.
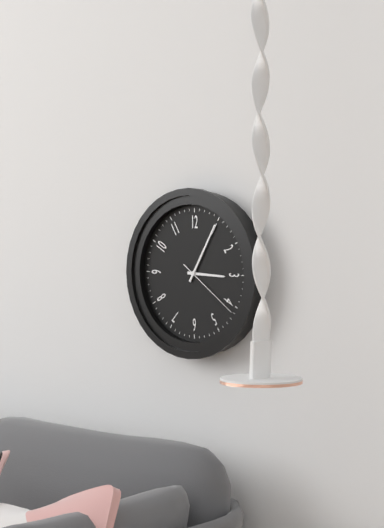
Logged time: 3,05,21
